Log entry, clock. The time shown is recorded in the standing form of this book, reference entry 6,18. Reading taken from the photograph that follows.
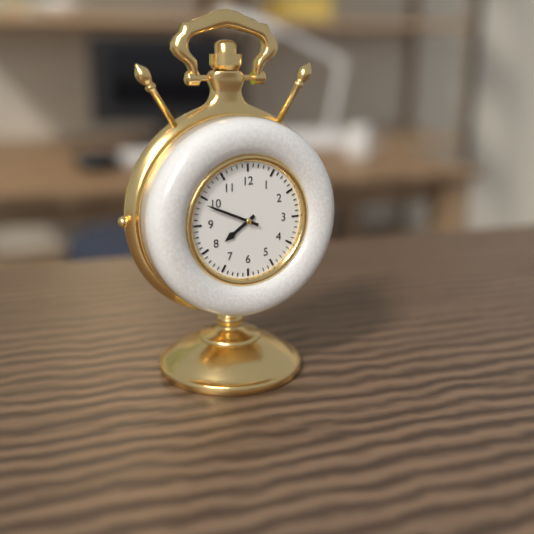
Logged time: 7,49
